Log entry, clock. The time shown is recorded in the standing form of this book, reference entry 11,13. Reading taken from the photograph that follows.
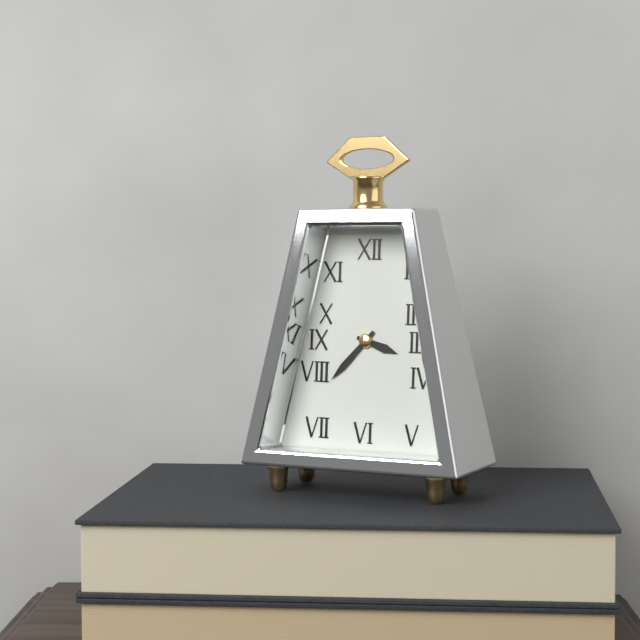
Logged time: 3,37
